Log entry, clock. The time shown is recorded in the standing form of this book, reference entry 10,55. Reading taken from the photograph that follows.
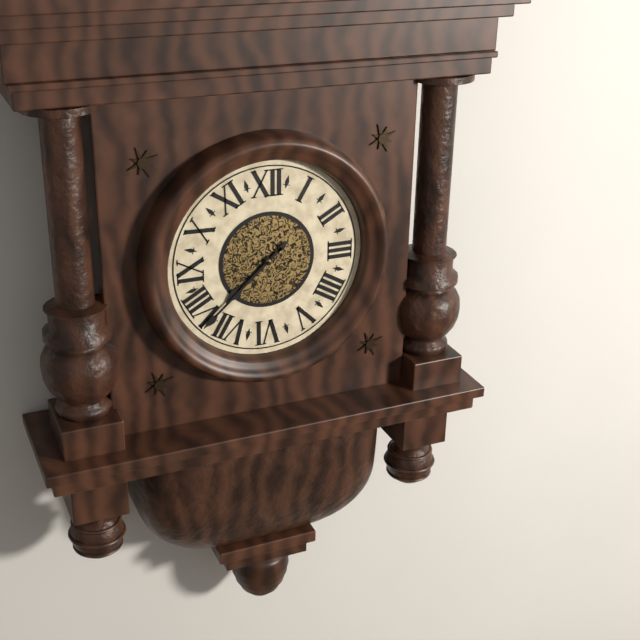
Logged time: 7,38
